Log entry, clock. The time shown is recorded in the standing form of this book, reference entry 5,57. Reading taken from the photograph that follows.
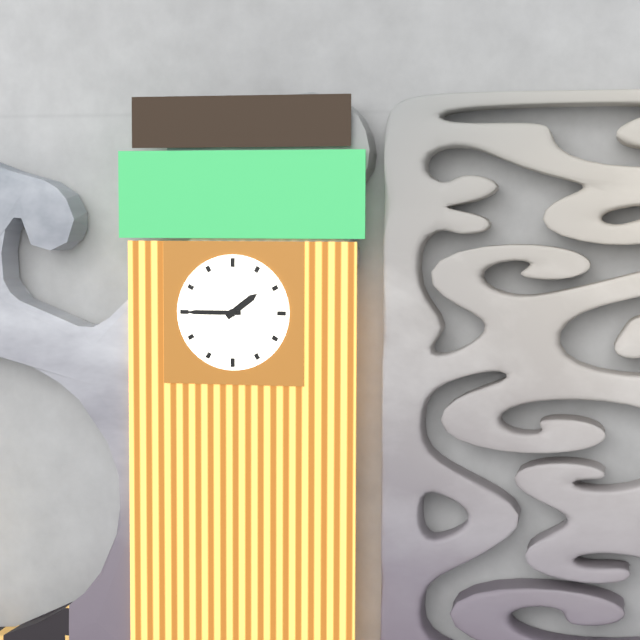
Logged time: 1,45
